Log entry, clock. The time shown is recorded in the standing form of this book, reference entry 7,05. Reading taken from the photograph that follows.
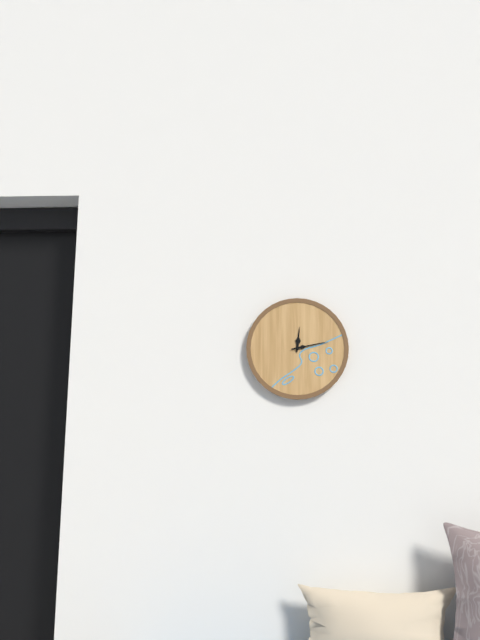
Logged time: 12,13
